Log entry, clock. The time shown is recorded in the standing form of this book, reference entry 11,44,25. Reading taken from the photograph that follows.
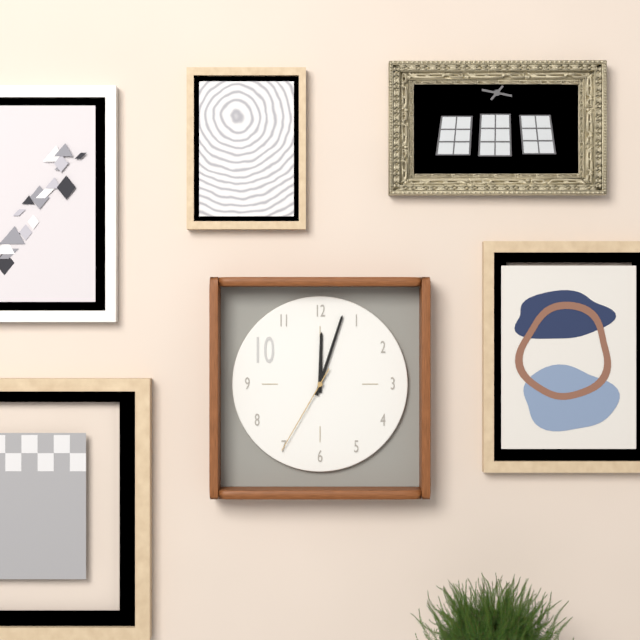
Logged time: 12,03,35
